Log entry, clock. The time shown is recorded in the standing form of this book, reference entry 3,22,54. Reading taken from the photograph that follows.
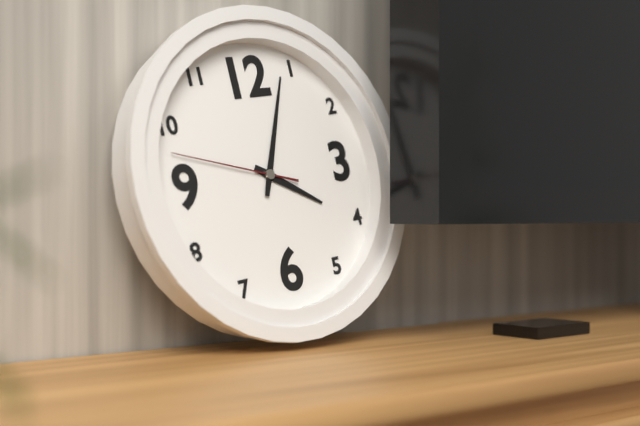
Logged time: 4,04,48
